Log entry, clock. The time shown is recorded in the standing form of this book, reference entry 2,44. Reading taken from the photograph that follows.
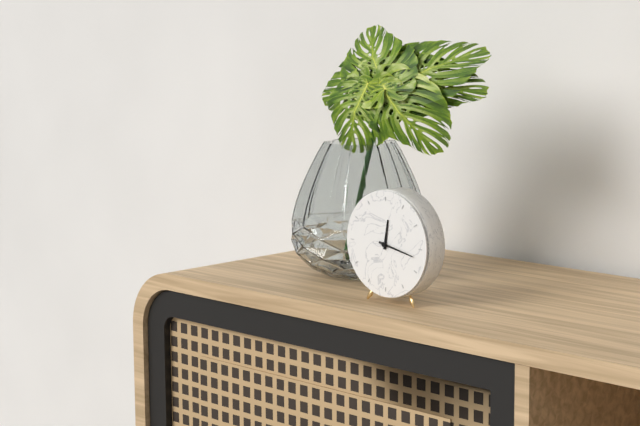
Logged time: 12,17
